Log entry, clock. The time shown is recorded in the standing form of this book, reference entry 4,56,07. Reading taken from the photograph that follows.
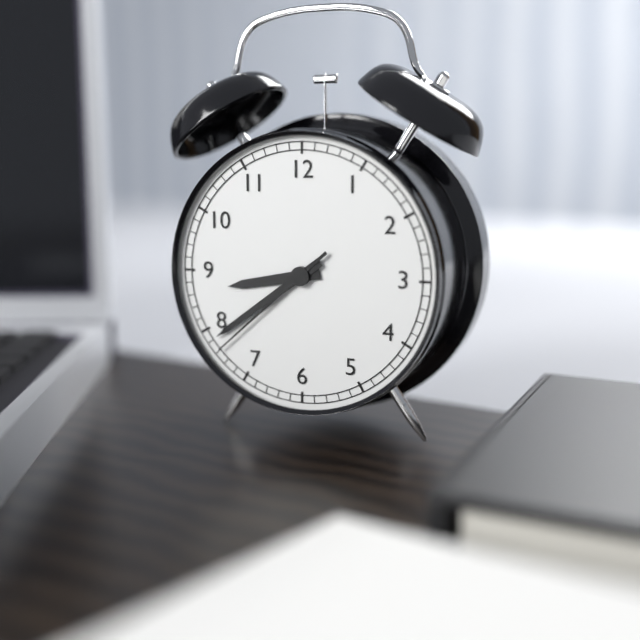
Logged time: 8,39,38
